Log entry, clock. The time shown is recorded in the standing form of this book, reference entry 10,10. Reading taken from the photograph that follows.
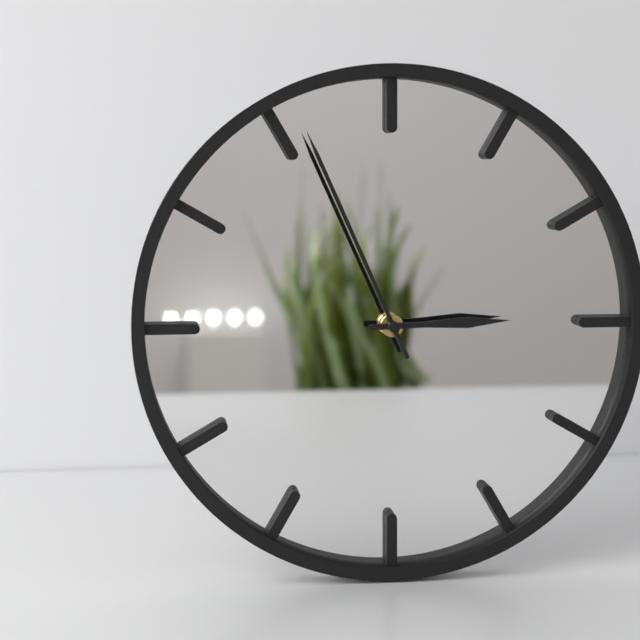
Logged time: 2,56
